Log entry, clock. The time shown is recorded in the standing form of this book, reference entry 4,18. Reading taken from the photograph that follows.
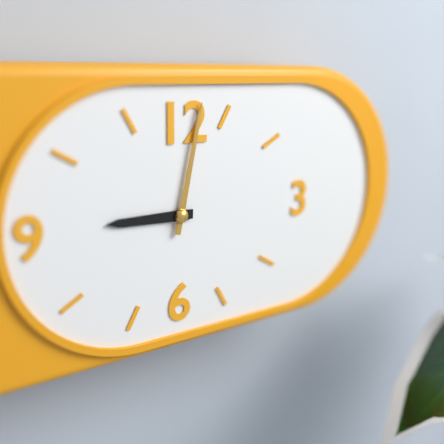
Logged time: 9,02
